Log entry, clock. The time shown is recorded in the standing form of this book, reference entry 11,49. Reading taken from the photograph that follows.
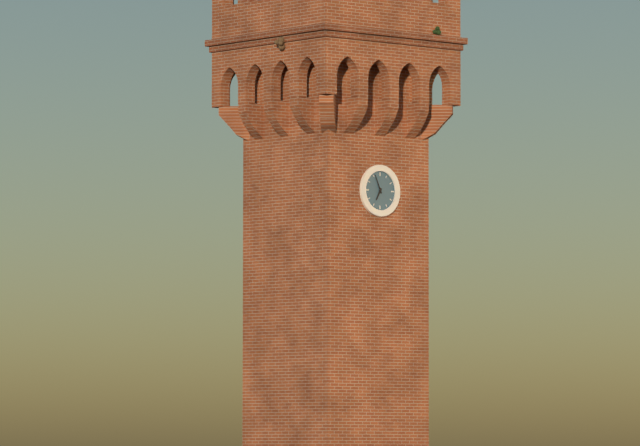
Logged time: 6,56
